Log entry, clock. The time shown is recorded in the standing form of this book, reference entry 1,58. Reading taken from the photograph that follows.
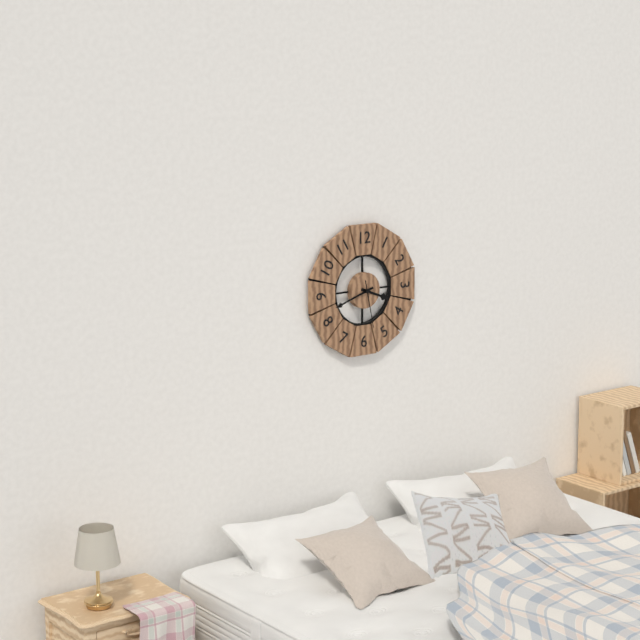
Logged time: 3,42
